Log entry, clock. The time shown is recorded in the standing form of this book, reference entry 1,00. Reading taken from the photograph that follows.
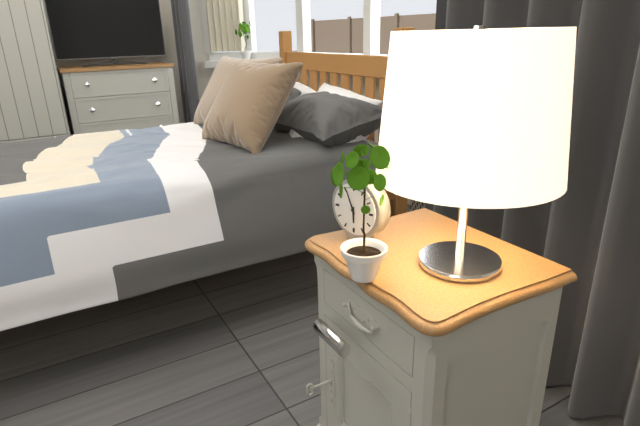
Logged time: 5,56
